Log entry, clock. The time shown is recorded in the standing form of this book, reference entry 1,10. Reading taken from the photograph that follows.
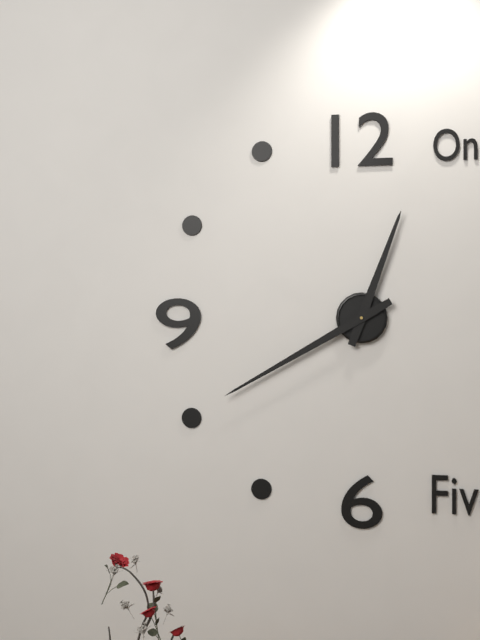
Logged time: 12,40
